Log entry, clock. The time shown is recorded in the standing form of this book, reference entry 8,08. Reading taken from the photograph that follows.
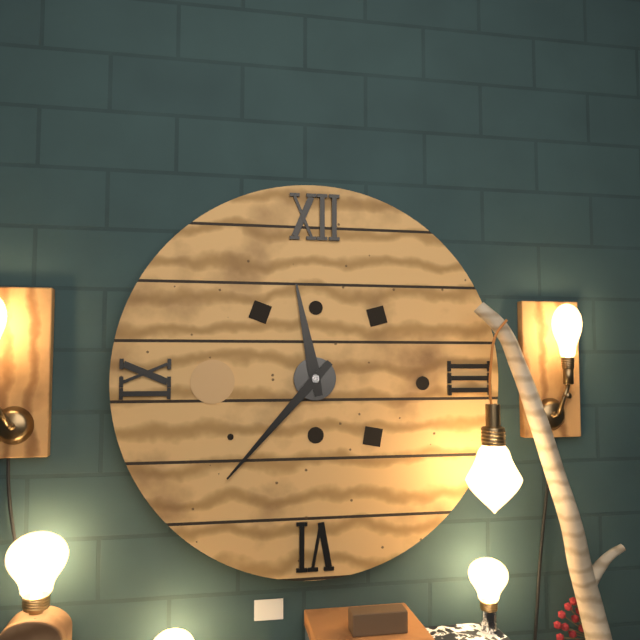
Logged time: 11,37
